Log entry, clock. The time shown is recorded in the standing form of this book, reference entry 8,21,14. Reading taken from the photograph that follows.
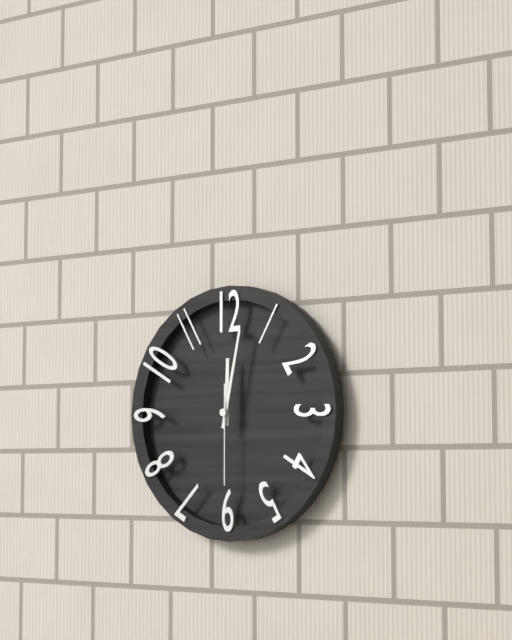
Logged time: 12,02,30
